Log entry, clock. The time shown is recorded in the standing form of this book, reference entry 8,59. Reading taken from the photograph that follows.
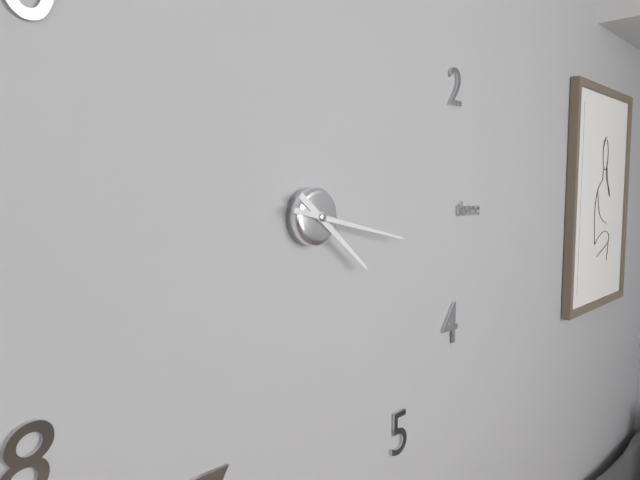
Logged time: 4,17
